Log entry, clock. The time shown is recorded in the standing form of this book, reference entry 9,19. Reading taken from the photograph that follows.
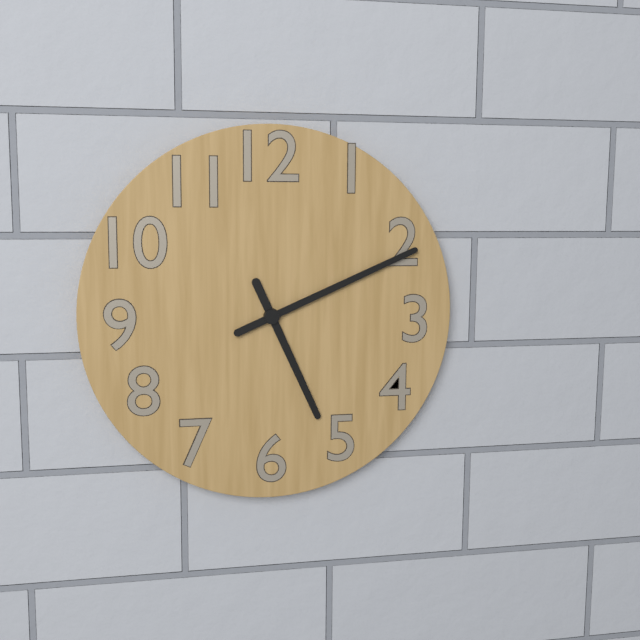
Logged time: 5,11
